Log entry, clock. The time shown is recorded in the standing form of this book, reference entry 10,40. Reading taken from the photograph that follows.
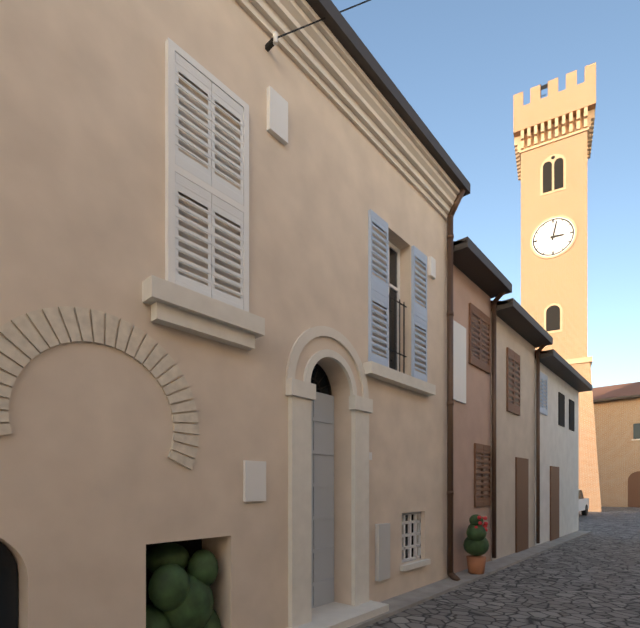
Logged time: 3,02
